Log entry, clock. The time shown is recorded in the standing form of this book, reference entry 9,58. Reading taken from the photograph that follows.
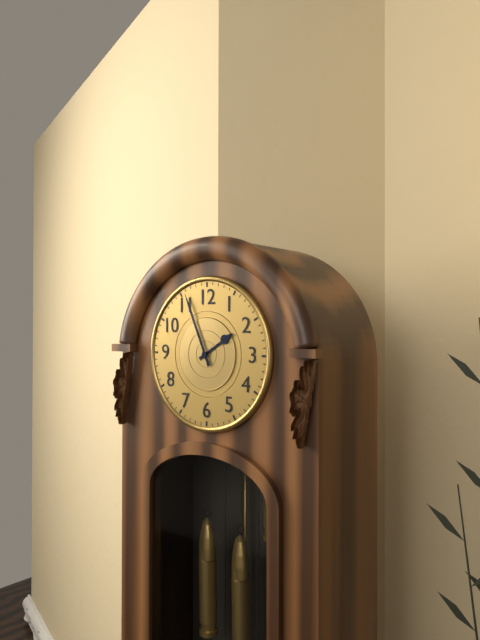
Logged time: 1,56
